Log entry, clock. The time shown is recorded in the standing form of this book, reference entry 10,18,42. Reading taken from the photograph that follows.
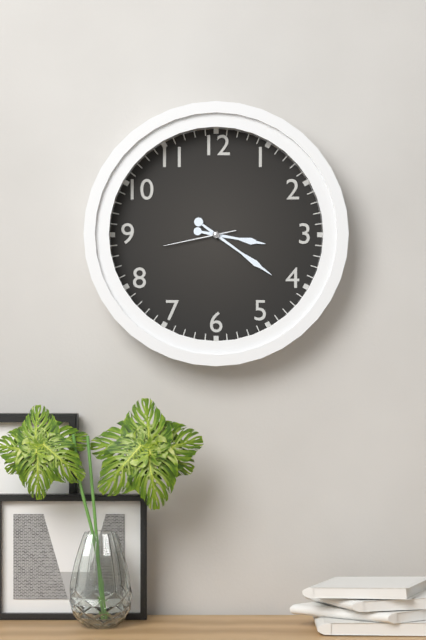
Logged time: 3,21,43
